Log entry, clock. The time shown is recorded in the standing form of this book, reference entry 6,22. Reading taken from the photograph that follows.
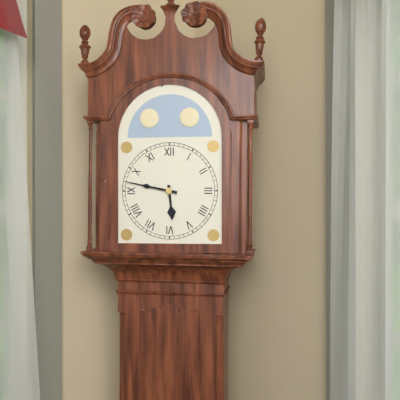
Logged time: 5,47
